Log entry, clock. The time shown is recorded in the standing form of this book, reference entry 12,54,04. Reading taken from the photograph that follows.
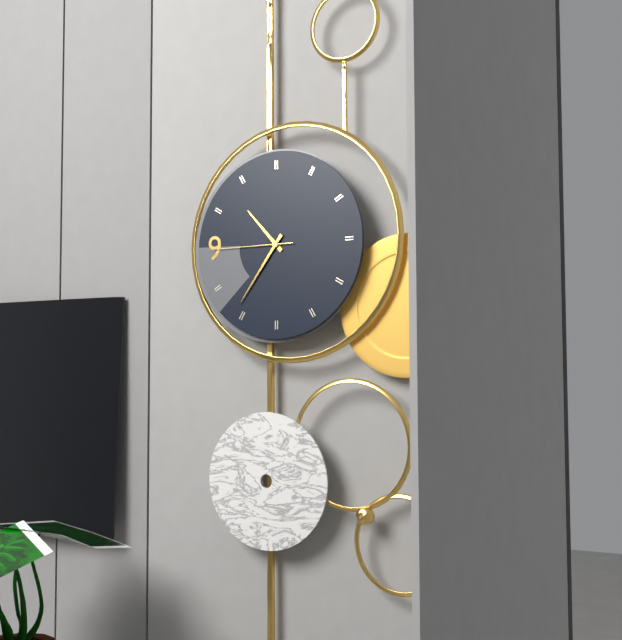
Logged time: 10,36,45
